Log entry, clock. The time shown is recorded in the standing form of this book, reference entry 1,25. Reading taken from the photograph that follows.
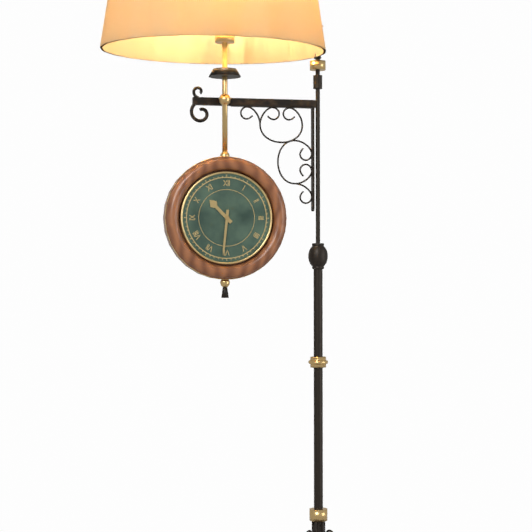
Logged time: 10,31
